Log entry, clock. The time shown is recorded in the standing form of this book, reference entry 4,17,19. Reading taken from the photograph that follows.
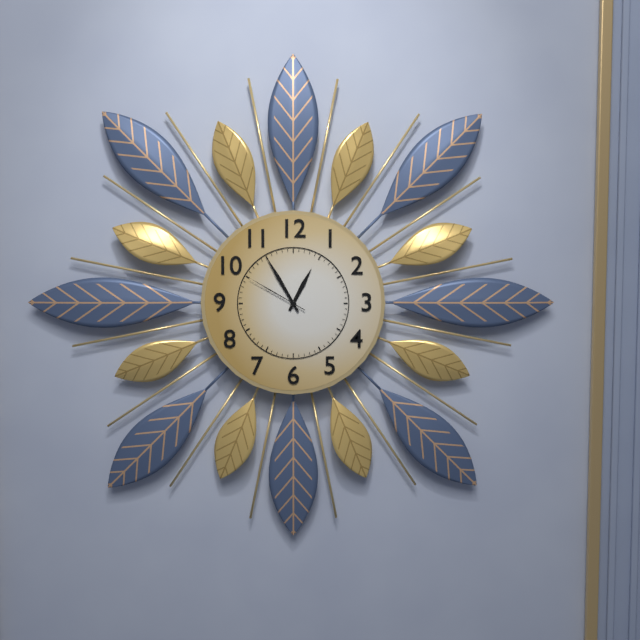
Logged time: 12,55,50
